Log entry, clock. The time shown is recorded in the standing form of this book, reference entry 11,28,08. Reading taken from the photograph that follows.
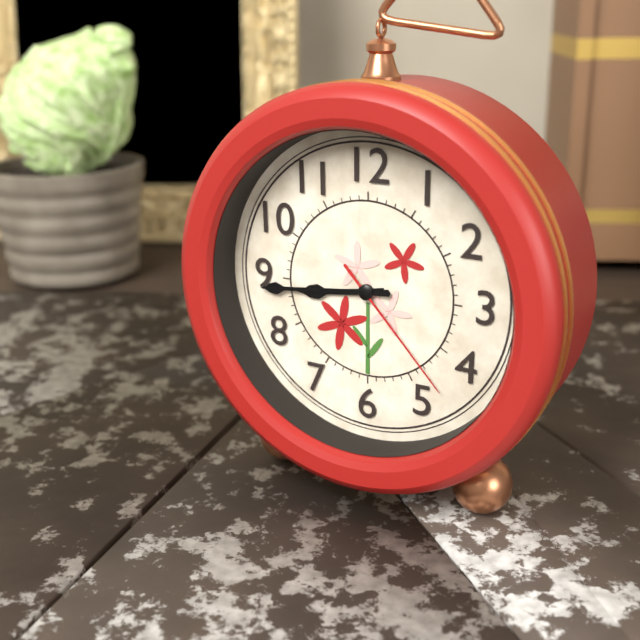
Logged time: 8,44,23
